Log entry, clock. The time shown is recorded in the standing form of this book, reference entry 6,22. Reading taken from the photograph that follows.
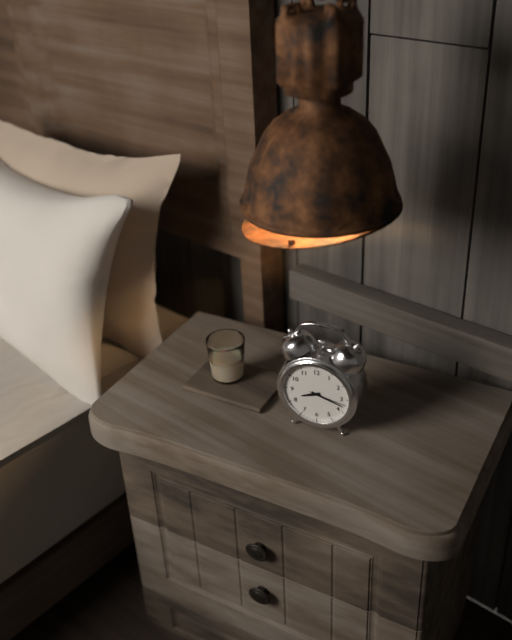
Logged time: 8,18
